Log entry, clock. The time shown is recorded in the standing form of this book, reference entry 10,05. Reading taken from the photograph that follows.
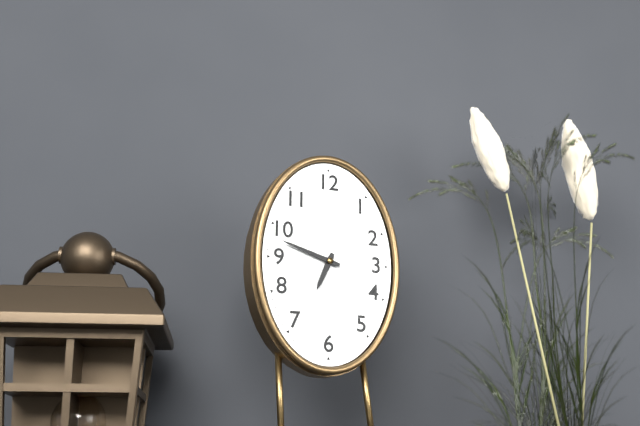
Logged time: 6,48
